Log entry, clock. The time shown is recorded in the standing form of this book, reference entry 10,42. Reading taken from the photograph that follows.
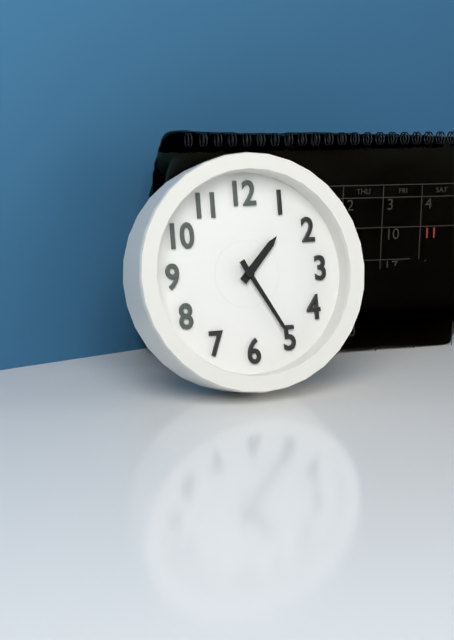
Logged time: 1,25
